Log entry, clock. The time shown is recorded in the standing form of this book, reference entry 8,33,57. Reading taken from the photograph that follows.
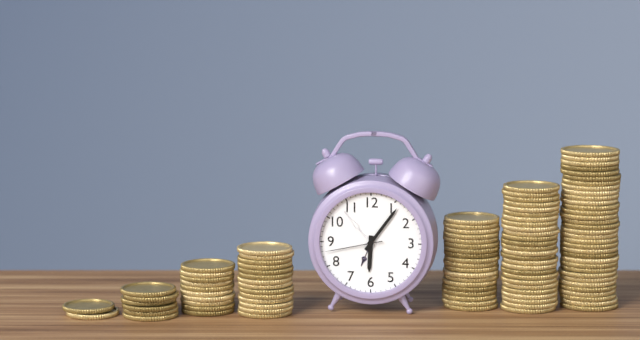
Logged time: 6,06,43
